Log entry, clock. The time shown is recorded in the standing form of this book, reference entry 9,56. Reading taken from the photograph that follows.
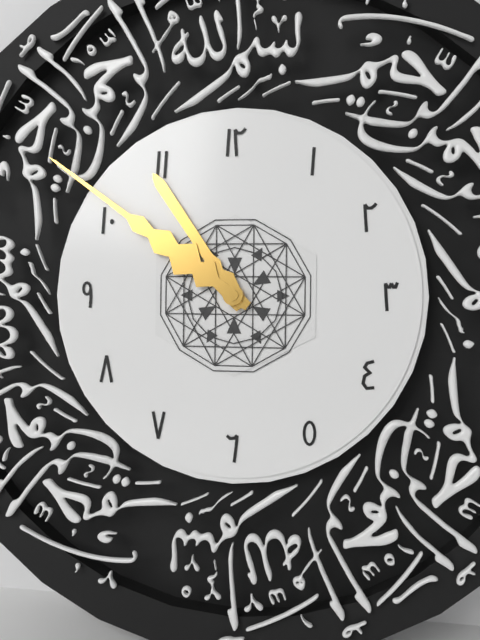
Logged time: 10,51
